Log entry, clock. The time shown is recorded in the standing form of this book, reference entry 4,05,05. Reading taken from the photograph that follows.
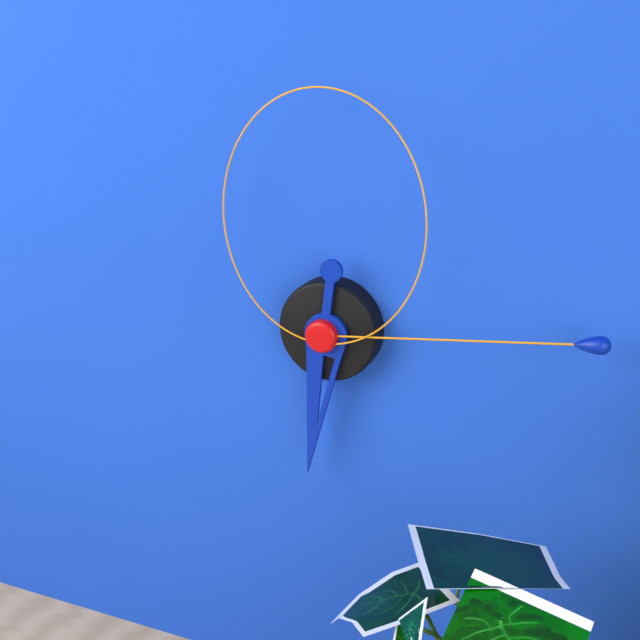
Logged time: 6,14,00
